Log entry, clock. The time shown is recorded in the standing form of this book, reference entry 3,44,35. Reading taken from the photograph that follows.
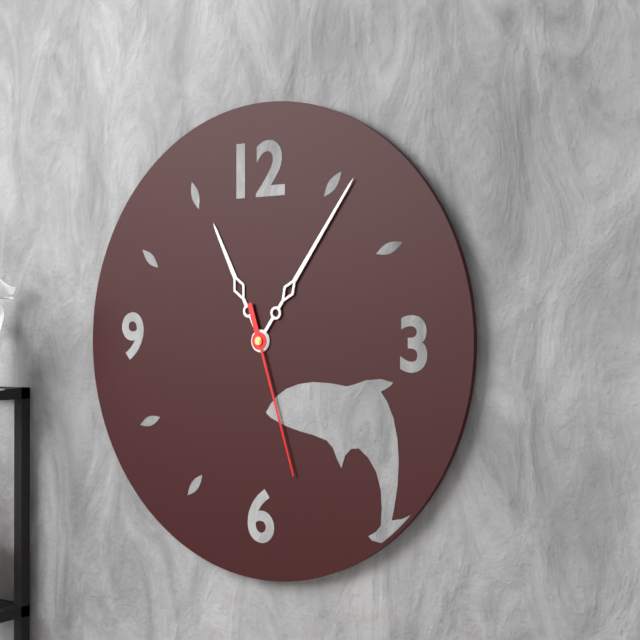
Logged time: 11,06,27
